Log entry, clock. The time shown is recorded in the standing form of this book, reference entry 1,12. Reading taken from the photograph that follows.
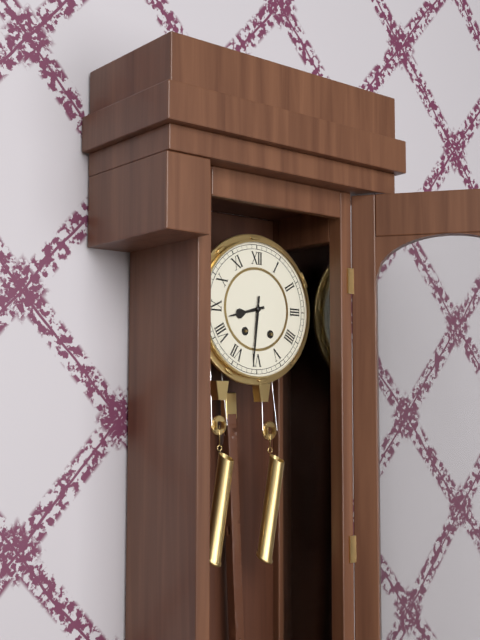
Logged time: 8,31
